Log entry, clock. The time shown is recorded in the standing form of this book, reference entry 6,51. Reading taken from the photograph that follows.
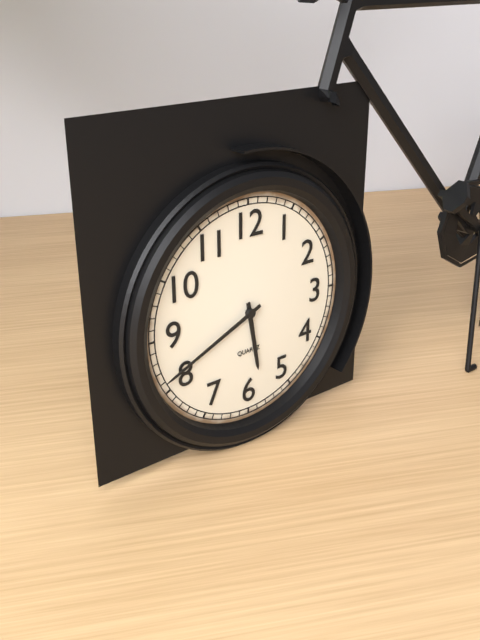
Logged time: 5,41
